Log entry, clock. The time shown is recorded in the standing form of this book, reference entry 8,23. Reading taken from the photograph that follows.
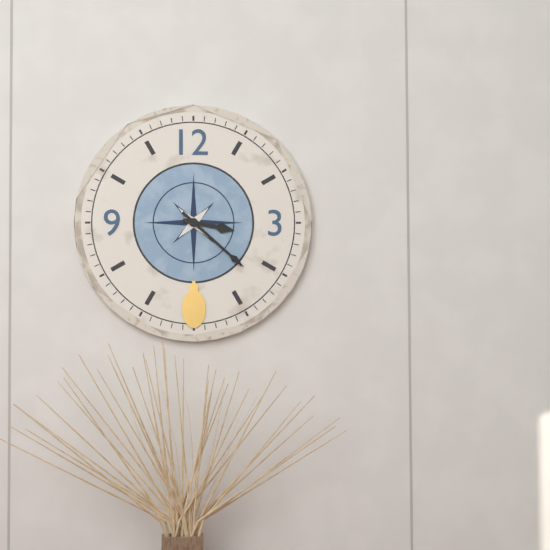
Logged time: 3,22
